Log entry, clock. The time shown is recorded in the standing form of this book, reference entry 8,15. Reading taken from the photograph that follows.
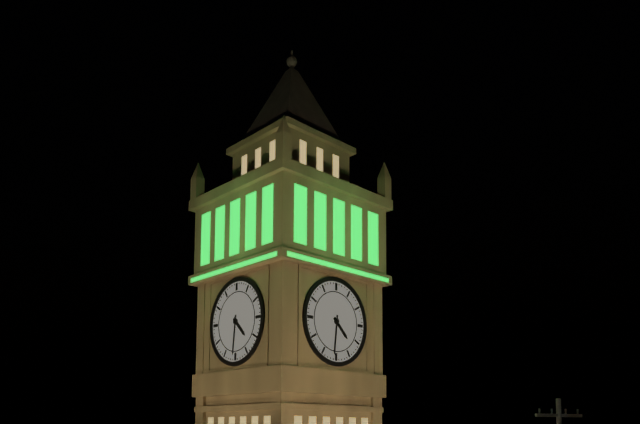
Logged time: 4,31
